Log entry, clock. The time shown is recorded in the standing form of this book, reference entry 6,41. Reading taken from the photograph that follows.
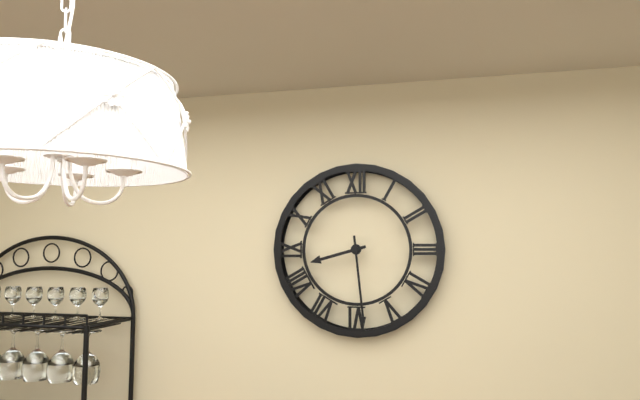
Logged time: 8,29
